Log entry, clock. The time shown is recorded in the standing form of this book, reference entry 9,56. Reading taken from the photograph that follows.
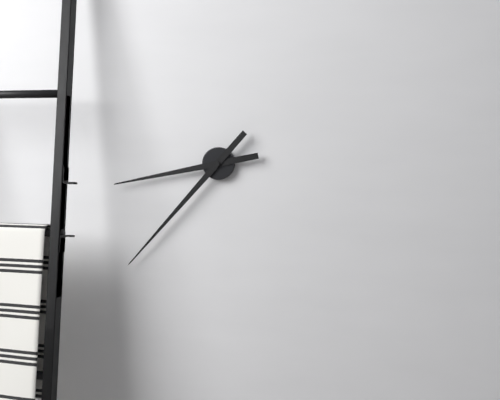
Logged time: 8,37
